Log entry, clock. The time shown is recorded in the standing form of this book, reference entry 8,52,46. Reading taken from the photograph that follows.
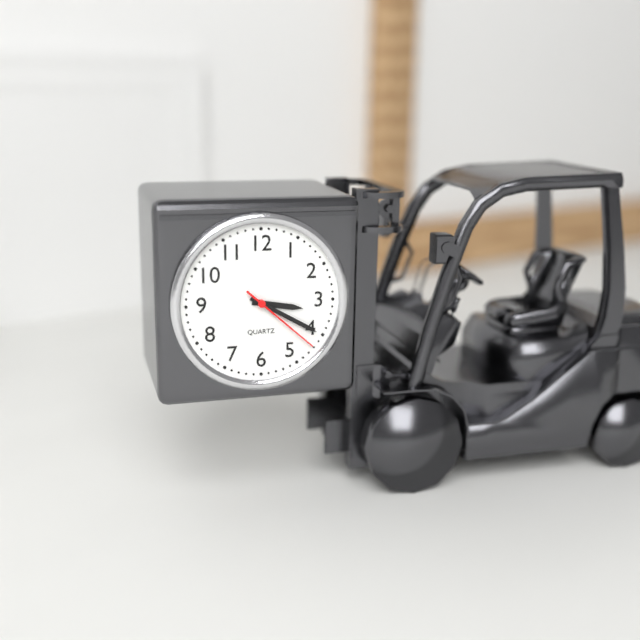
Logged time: 3,20,22
